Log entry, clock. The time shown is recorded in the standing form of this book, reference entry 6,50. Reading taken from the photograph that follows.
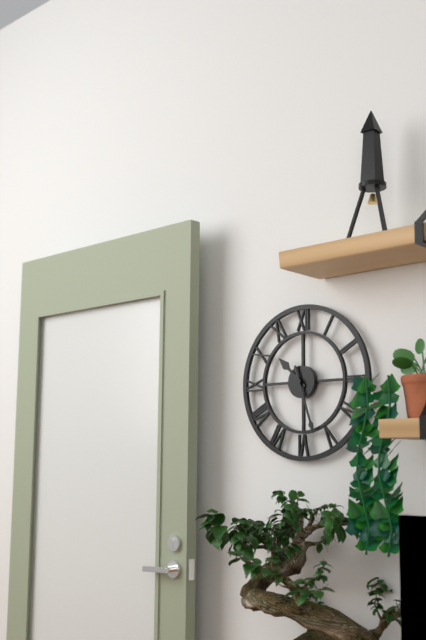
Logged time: 10,27
